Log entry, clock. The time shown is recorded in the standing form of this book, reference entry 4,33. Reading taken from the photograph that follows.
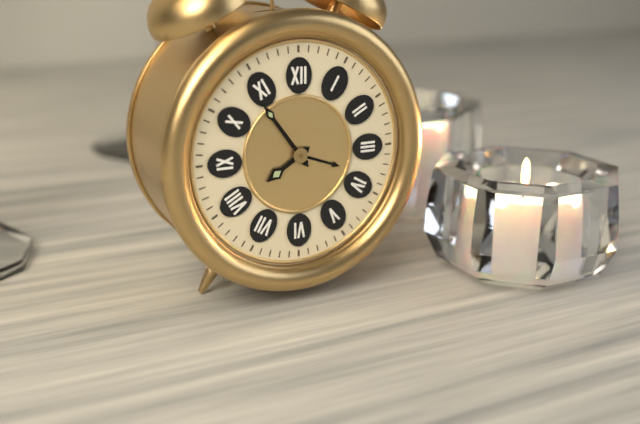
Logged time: 7,54
